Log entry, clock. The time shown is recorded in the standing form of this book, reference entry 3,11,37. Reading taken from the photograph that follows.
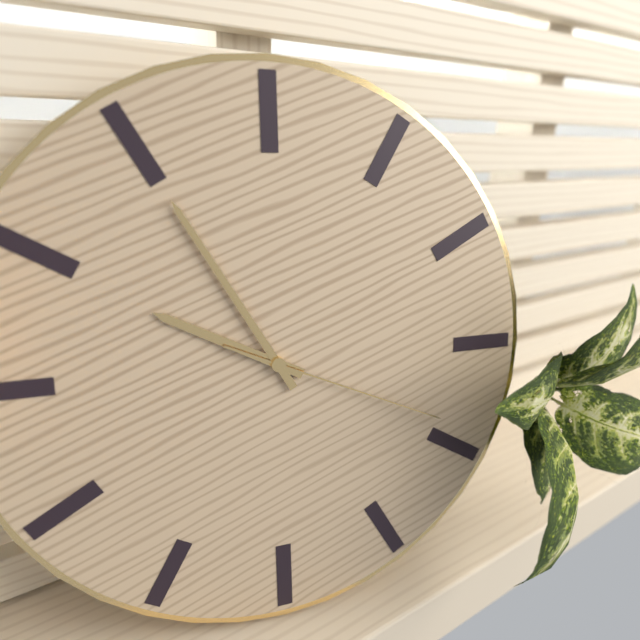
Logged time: 9,55,19
